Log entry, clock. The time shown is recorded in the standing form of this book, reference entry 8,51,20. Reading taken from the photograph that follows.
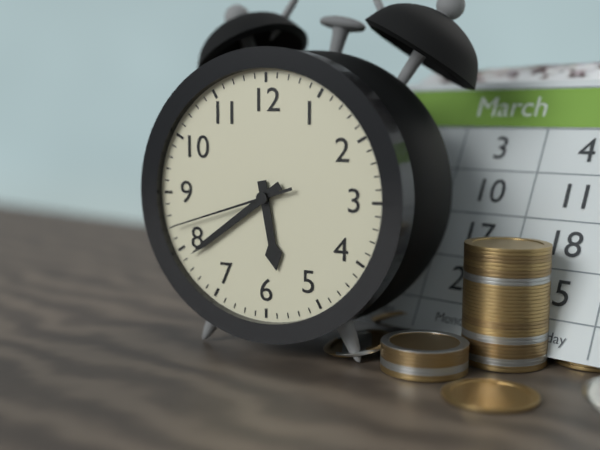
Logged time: 5,39,42
